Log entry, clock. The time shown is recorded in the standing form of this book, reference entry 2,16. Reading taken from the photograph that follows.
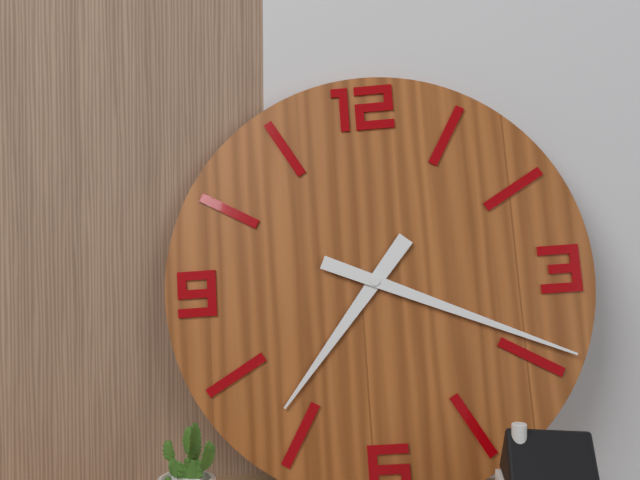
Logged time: 7,19
